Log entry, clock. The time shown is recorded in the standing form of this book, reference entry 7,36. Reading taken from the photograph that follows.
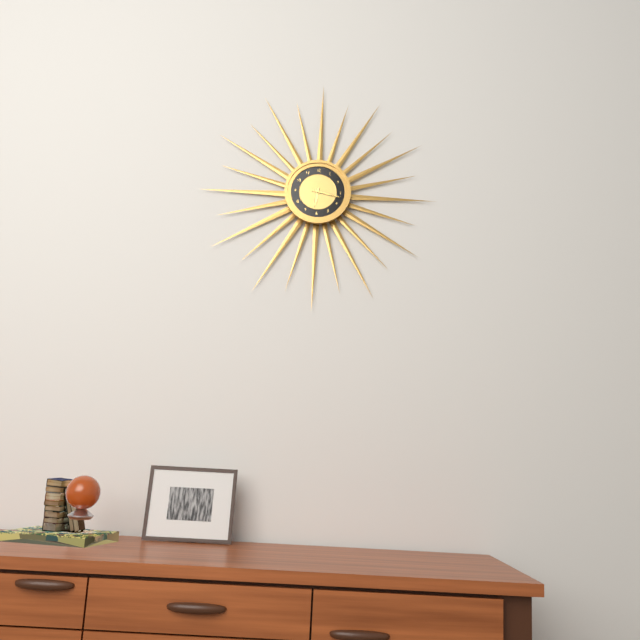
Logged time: 6,17
